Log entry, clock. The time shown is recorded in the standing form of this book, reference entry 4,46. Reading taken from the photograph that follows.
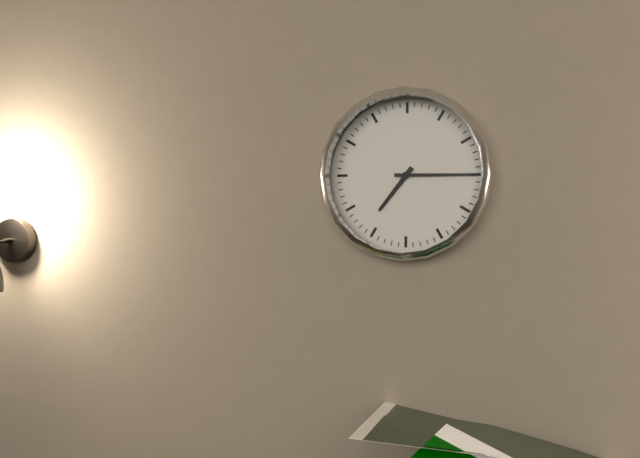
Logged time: 7,15
